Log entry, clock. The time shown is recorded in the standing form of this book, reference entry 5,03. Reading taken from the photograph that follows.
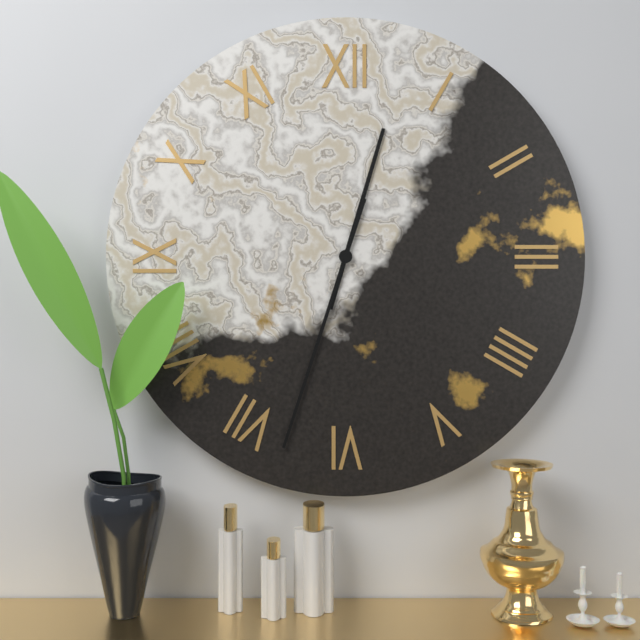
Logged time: 12,33
